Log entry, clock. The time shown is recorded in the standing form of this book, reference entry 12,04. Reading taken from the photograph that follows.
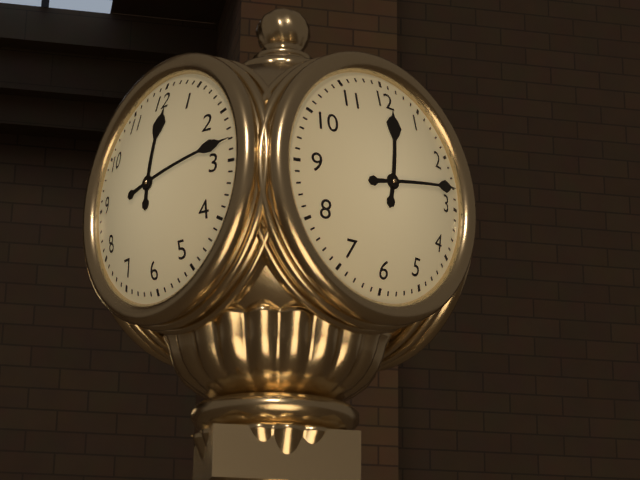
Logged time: 12,13
